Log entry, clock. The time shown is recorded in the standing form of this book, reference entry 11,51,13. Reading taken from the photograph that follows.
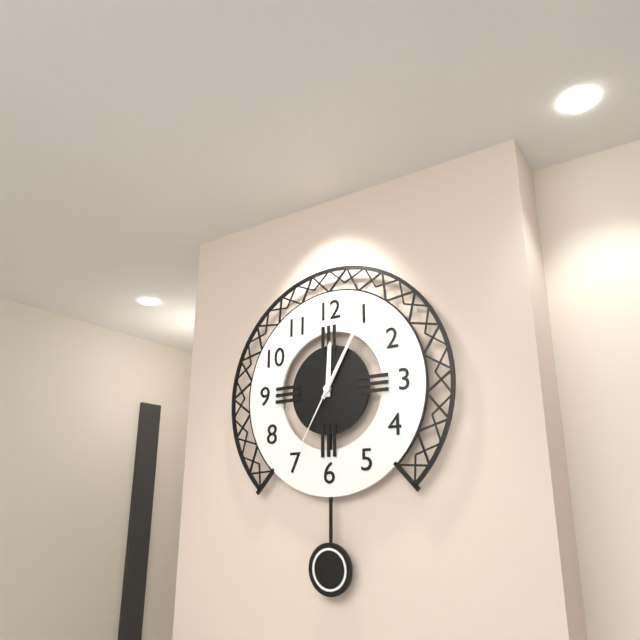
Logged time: 12,05,35
